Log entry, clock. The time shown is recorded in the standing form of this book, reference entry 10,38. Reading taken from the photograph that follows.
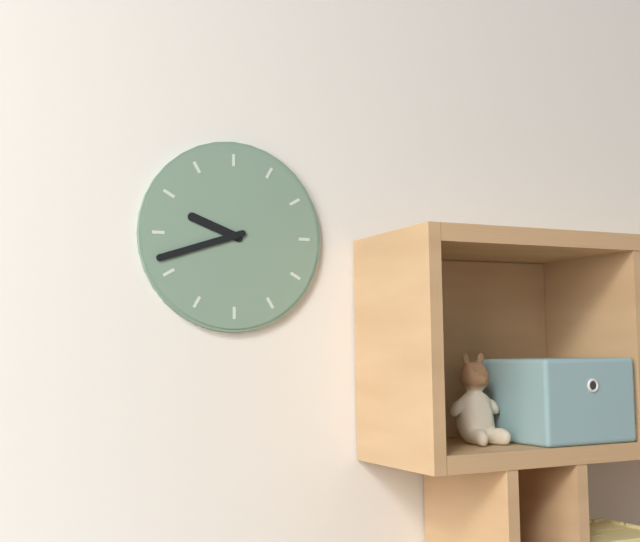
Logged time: 9,42
